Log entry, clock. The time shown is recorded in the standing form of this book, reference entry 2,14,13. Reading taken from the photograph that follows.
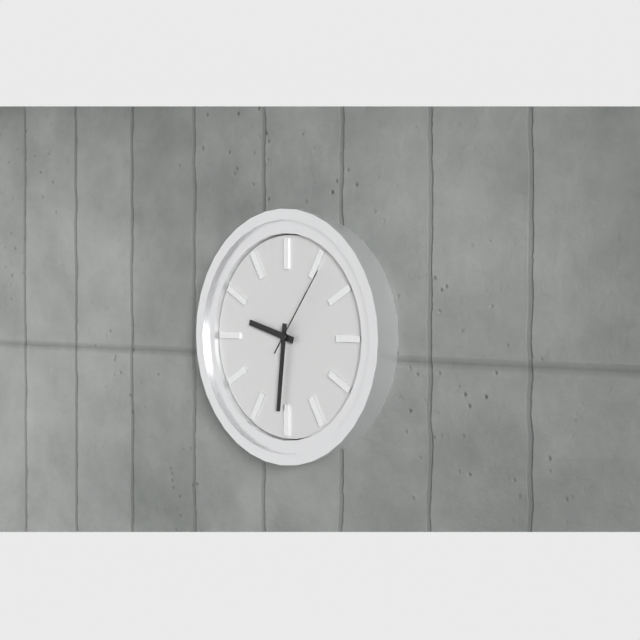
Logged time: 9,31,06
